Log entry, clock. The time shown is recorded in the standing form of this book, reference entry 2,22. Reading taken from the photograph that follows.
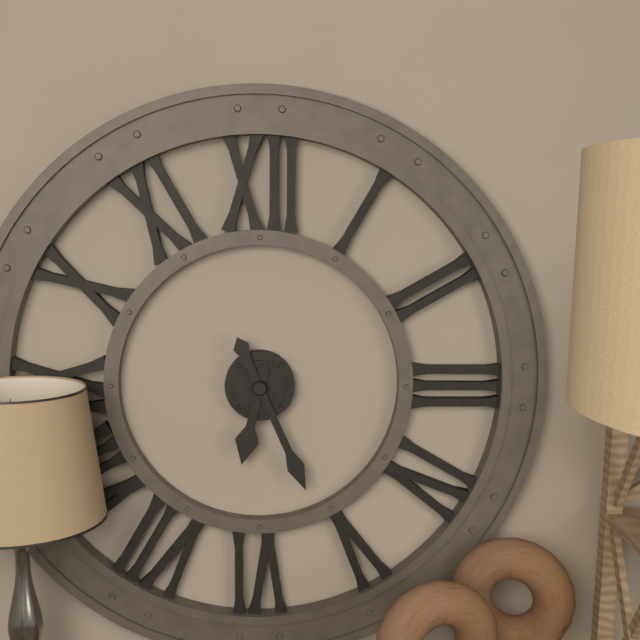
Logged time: 6,26
